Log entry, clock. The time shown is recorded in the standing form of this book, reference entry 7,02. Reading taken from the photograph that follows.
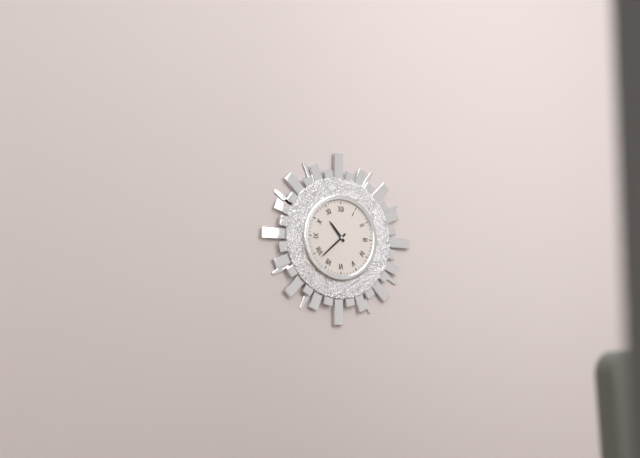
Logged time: 10,38
